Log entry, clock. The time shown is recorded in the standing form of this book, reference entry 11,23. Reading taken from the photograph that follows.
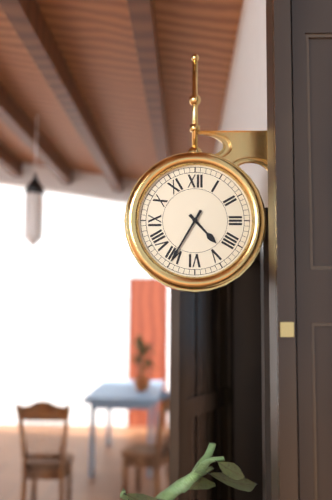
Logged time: 4,35
